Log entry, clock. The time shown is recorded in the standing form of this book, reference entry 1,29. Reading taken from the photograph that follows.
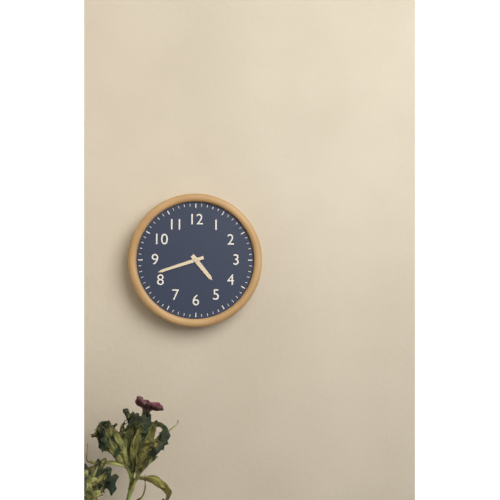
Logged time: 4,42
